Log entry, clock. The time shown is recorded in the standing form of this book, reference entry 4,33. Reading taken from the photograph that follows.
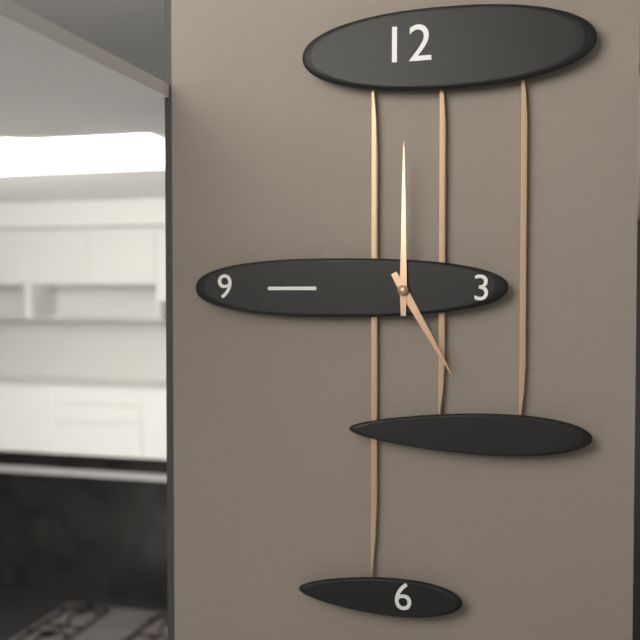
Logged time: 5,00
